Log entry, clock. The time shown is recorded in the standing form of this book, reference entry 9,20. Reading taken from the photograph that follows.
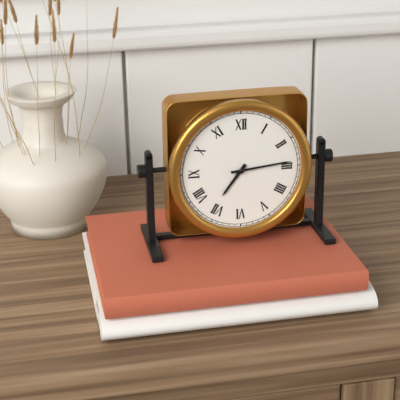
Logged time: 7,14
